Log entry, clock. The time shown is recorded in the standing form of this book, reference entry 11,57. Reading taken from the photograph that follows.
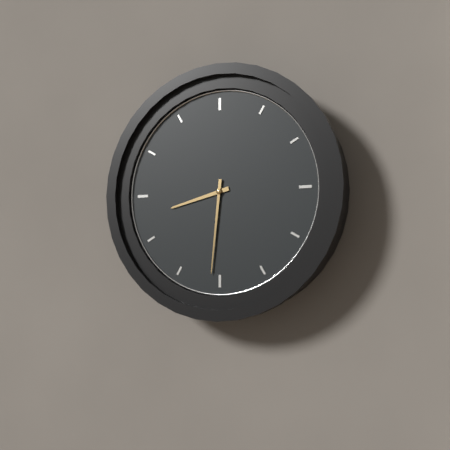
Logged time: 8,31
